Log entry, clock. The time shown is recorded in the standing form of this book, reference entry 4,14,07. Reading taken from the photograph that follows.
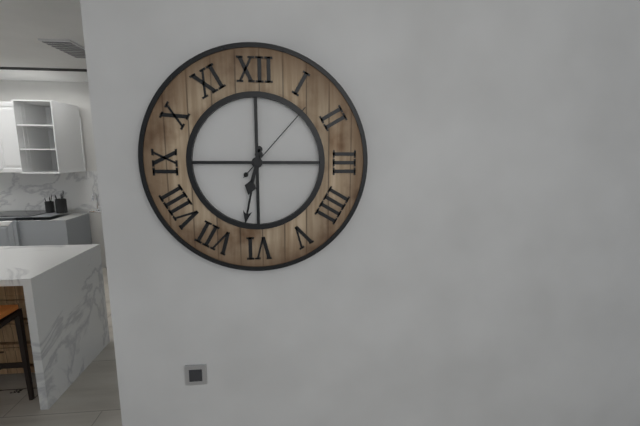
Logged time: 6,32,07
